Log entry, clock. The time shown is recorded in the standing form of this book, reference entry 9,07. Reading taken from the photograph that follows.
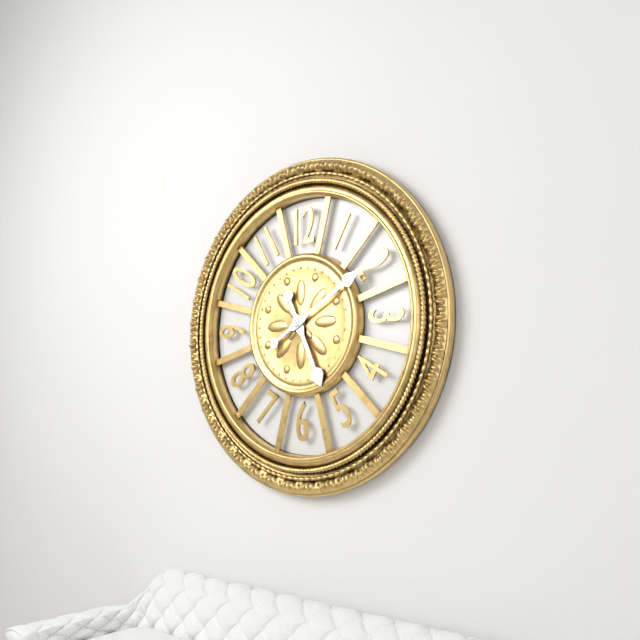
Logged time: 5,10
